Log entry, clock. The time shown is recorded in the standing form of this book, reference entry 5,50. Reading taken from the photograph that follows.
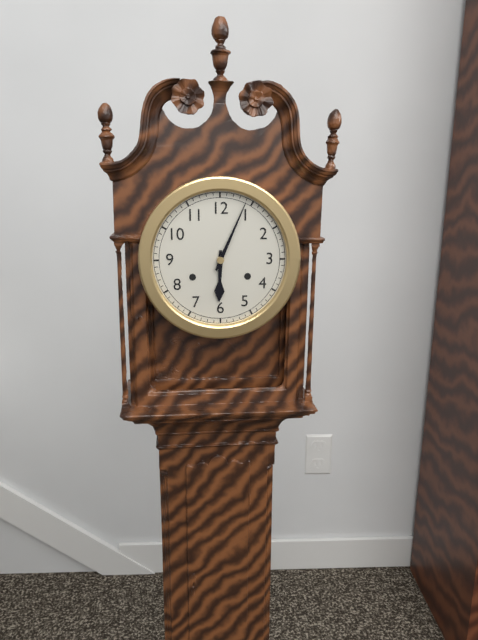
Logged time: 6,04
